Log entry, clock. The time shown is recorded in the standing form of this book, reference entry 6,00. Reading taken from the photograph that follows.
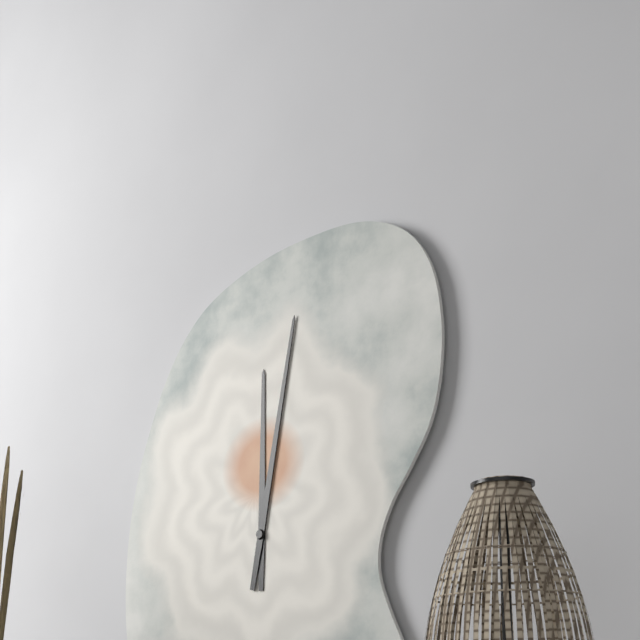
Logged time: 12,02
